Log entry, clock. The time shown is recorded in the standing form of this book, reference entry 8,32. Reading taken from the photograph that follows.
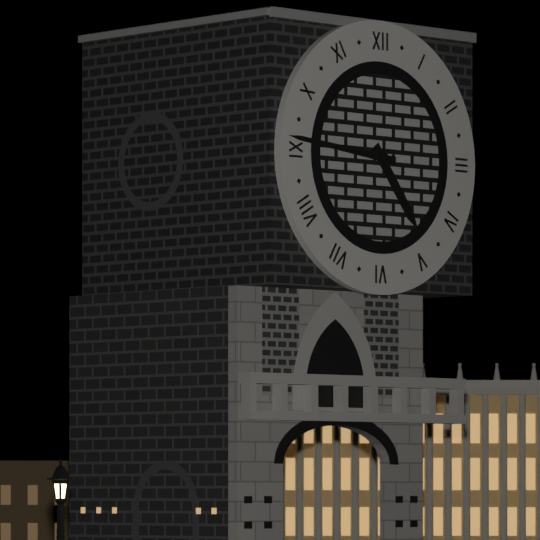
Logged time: 4,46
